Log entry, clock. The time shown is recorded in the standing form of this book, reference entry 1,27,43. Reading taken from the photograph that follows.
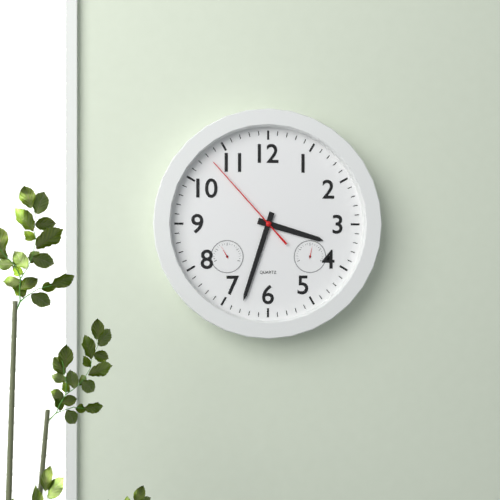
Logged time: 3,33,53
